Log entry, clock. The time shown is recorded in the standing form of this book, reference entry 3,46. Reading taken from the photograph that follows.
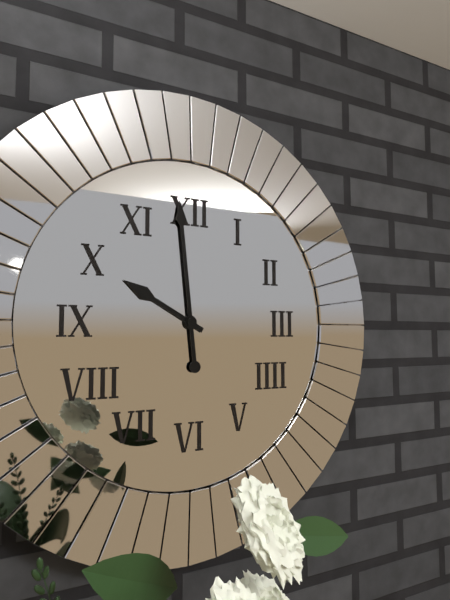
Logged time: 9,59
